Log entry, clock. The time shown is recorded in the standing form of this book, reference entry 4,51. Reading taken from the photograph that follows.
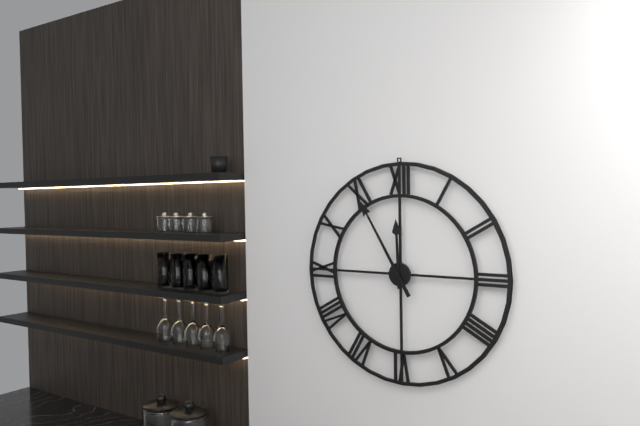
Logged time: 11,55
